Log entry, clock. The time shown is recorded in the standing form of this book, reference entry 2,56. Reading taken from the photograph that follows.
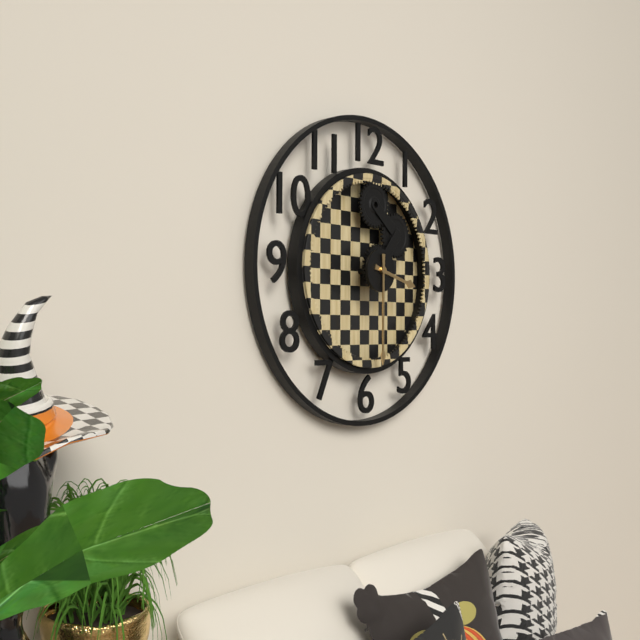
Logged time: 3,30
